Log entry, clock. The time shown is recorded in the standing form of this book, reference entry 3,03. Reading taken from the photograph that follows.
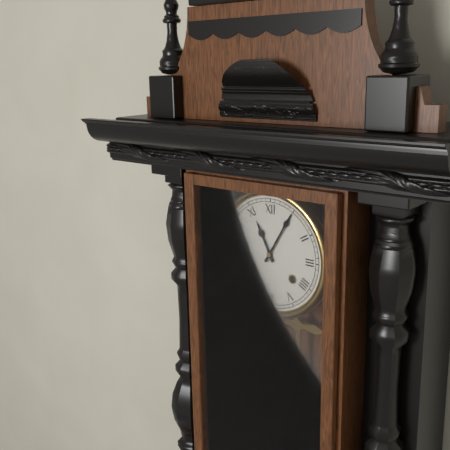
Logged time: 11,05
